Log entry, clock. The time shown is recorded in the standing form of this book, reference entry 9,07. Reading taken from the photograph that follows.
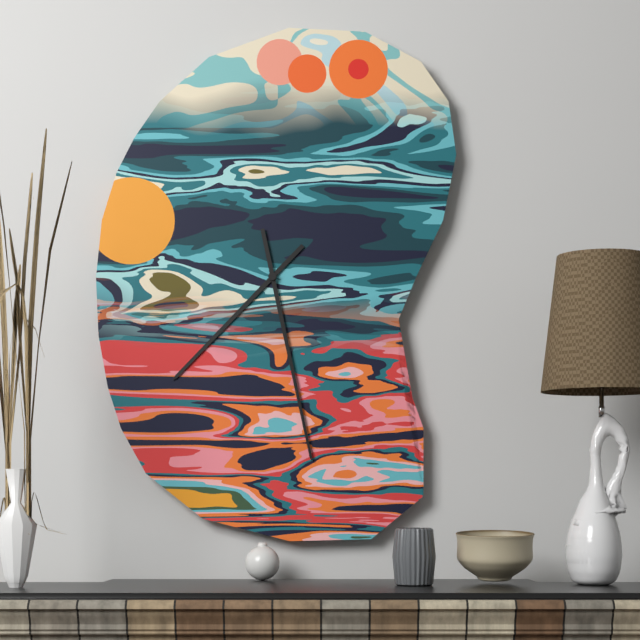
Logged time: 7,28
